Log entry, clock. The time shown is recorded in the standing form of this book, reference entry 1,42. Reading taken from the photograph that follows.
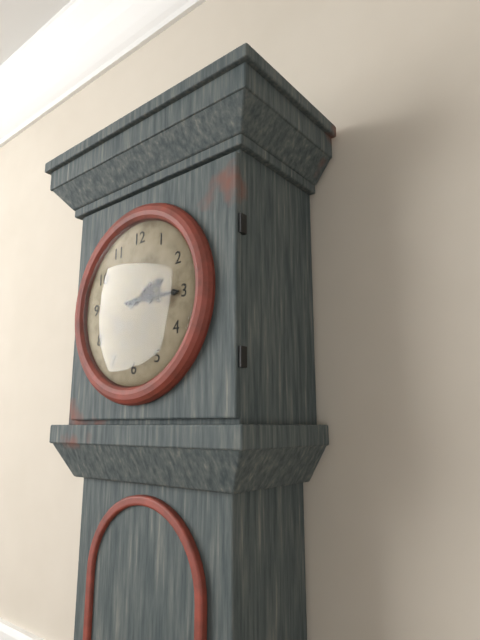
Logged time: 2,15
